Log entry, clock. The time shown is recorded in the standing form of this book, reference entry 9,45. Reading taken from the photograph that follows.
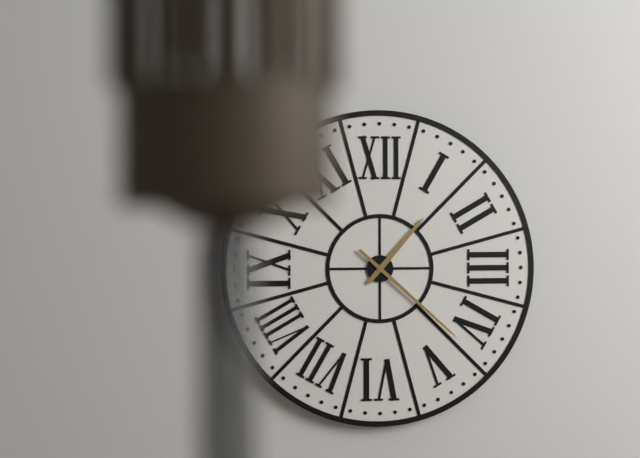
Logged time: 1,22
